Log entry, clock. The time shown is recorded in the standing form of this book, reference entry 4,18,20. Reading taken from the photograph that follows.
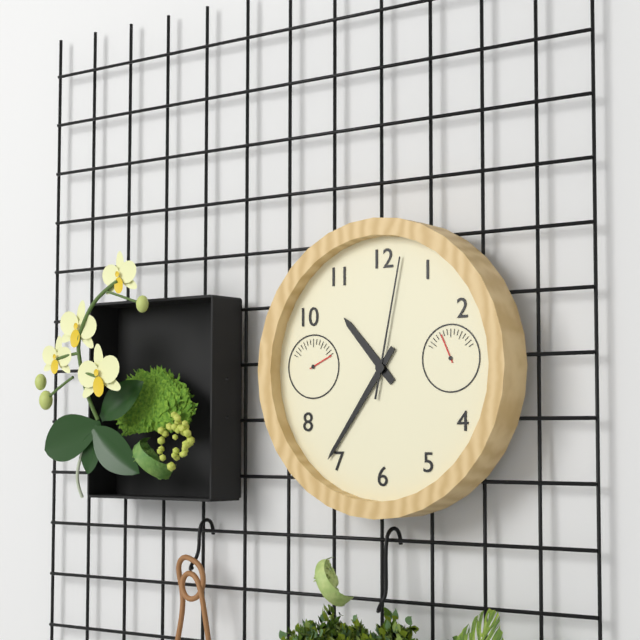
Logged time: 10,36,02
